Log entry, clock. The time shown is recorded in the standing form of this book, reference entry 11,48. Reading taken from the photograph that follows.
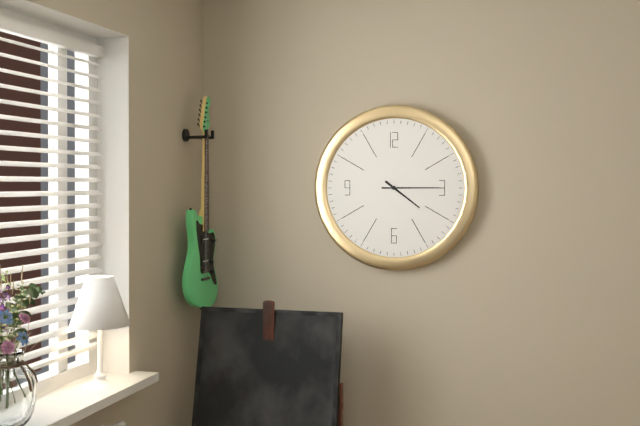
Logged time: 4,15
